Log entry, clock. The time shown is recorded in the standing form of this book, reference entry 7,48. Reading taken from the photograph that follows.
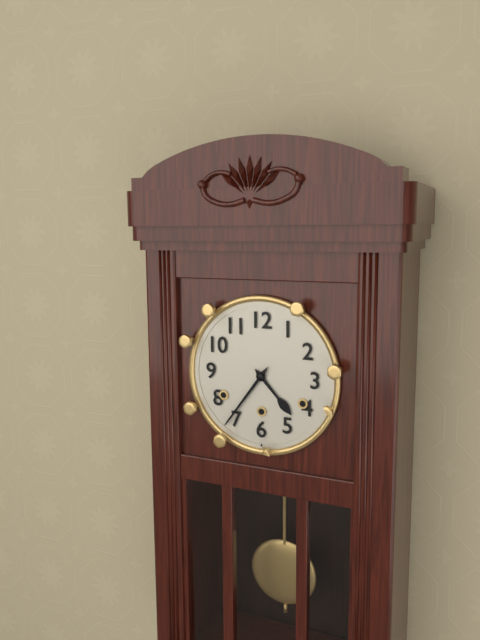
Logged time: 4,36
